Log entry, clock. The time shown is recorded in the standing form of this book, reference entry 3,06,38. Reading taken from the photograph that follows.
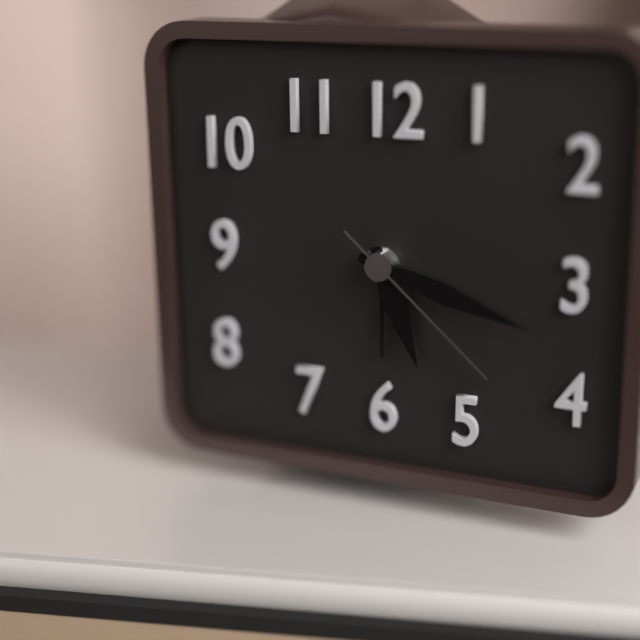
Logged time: 5,18,22
